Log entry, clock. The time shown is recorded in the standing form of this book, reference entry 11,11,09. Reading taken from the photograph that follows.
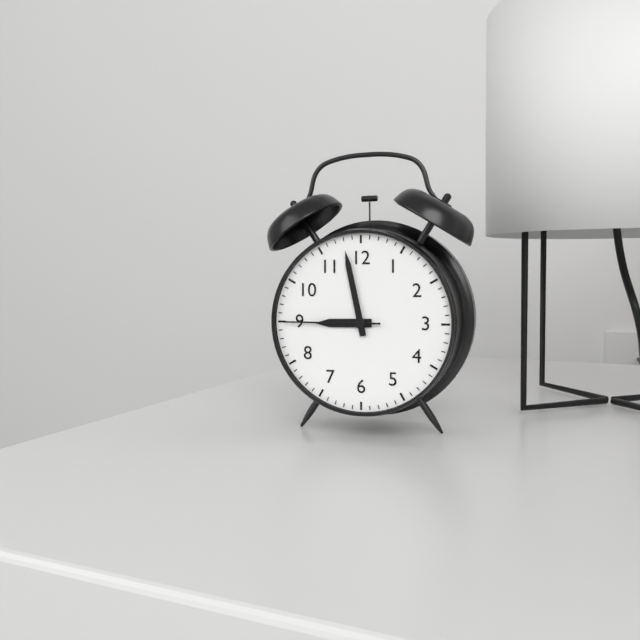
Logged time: 8,58,45
